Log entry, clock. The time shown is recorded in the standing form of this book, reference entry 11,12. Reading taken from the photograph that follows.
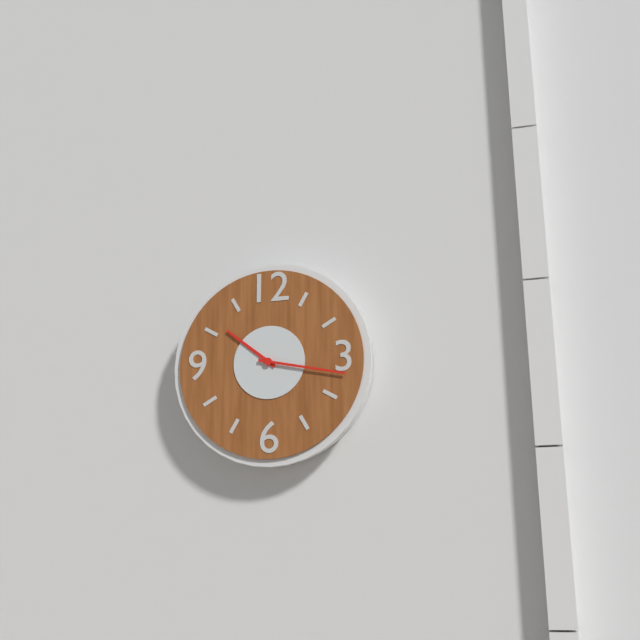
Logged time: 10,17
